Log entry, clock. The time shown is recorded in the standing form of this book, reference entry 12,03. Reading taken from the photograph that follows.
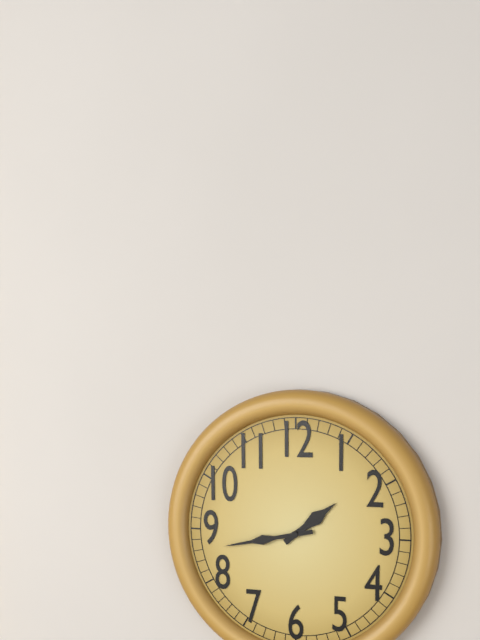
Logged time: 1,43
